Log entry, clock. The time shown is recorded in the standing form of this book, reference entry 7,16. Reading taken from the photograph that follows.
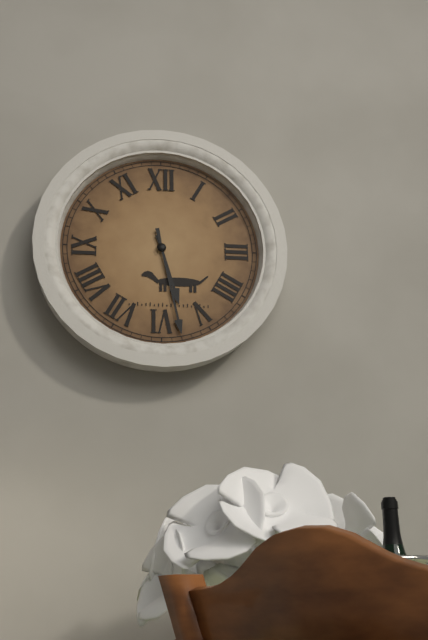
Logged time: 5,28
